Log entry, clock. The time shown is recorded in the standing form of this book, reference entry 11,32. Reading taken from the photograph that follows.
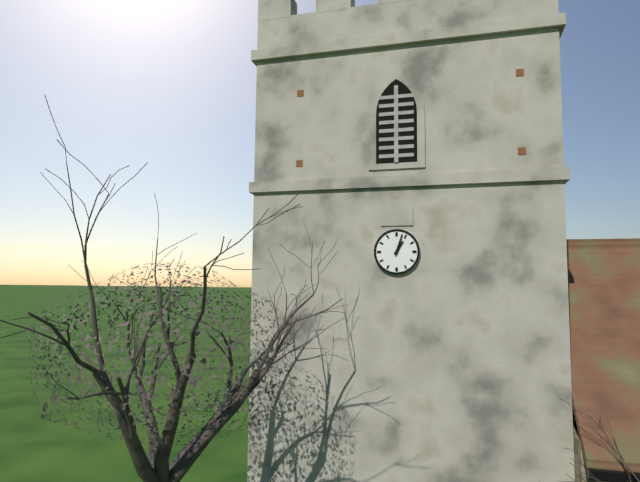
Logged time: 1,03
